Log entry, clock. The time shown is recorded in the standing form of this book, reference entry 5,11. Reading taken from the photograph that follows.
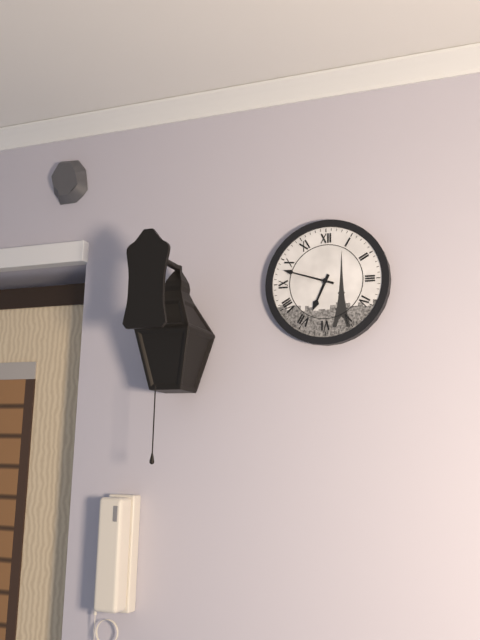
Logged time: 6,48
